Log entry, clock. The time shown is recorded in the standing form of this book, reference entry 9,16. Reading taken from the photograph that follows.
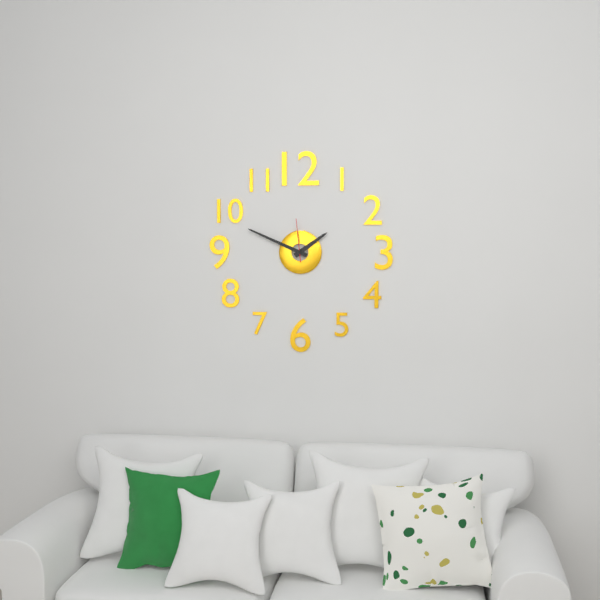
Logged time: 1,49
